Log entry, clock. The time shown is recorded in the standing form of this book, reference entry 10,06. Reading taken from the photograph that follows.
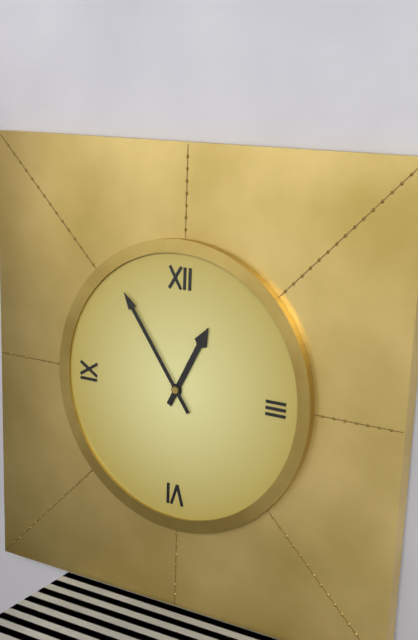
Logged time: 12,54
